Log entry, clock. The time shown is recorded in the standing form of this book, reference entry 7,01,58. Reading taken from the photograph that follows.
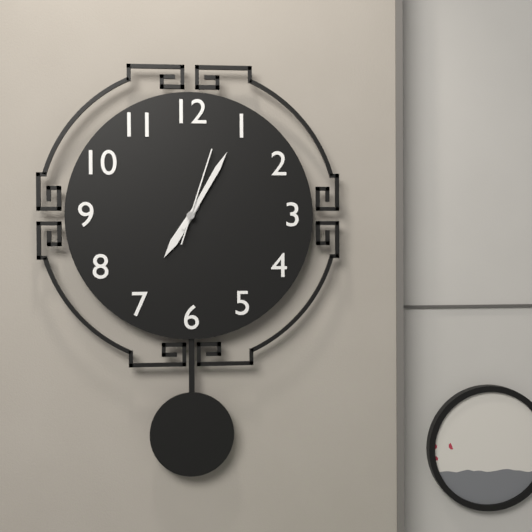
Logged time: 7,05,03
